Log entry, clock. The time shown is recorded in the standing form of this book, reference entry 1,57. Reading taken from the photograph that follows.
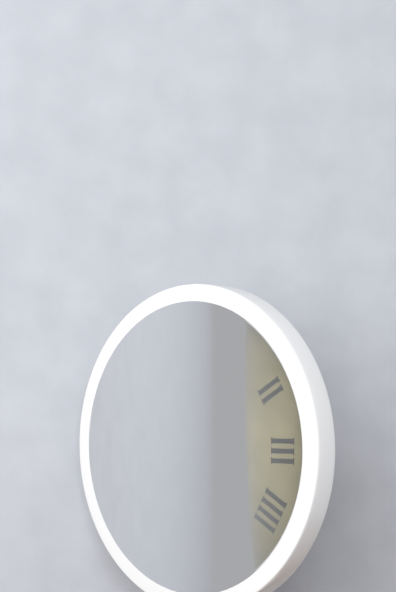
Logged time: 10,45
